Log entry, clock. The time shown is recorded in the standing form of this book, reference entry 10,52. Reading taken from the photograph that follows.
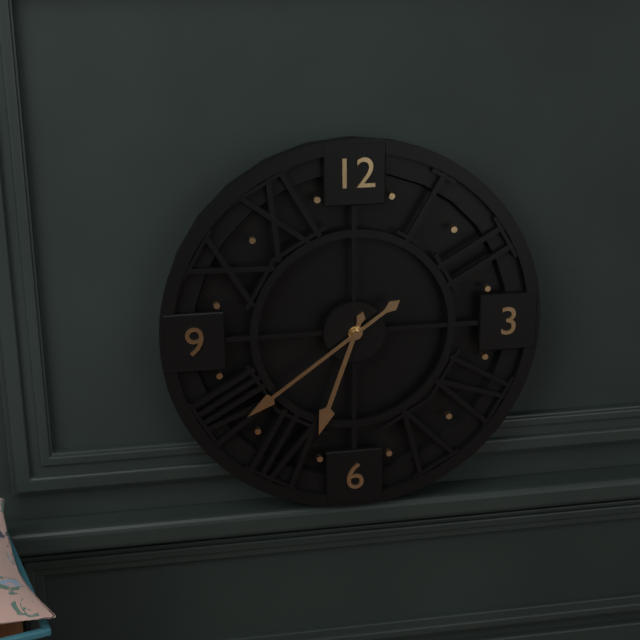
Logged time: 6,39
